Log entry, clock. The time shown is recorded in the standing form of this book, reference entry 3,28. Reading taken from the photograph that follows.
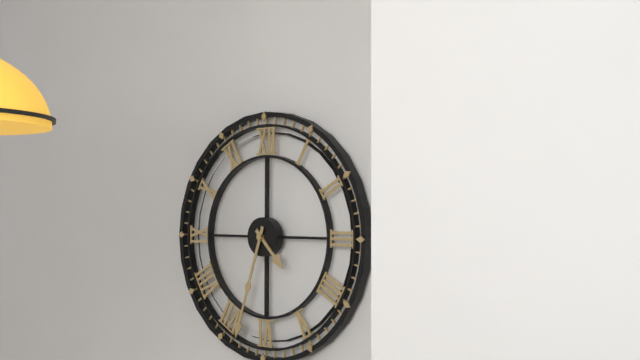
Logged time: 4,33
